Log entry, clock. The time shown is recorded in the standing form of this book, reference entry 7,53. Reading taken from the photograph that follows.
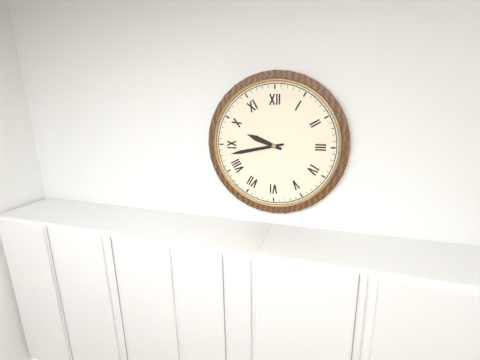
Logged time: 9,43
